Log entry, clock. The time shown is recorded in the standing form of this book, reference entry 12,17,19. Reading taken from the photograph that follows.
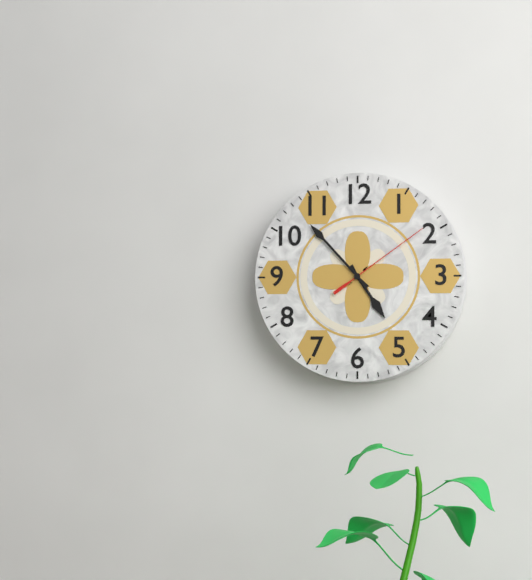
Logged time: 4,53,09
